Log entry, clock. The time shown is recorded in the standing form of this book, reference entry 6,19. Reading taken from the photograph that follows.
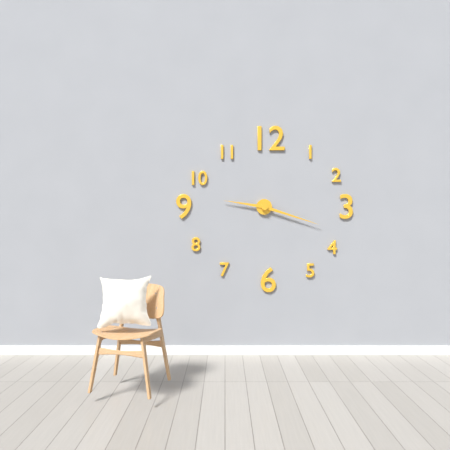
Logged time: 9,18
